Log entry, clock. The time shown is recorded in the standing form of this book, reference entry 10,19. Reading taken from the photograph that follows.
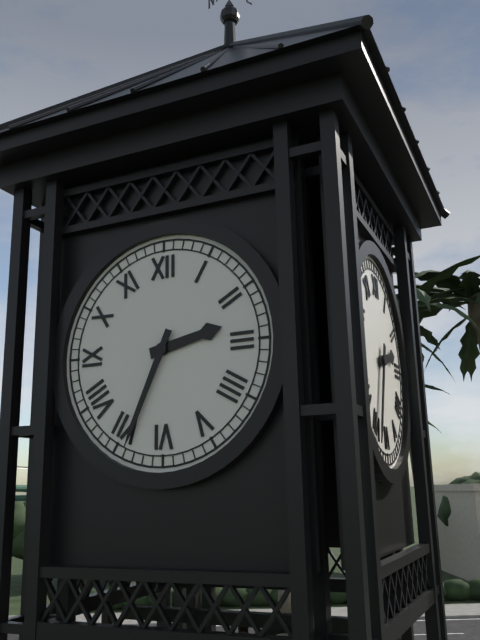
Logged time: 2,34
